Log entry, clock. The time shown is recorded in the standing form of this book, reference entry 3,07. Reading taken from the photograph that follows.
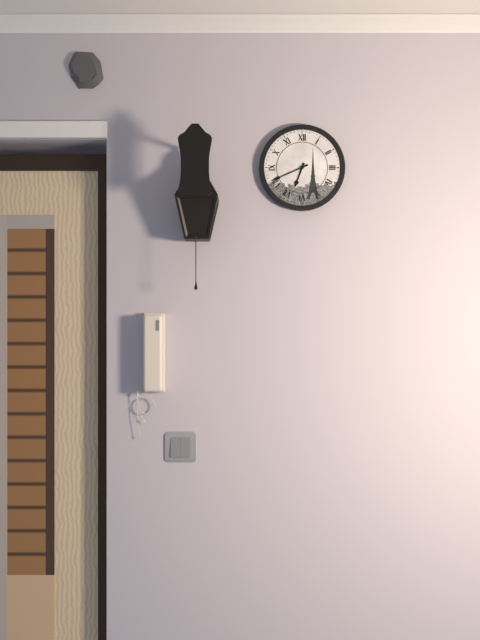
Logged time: 6,41
